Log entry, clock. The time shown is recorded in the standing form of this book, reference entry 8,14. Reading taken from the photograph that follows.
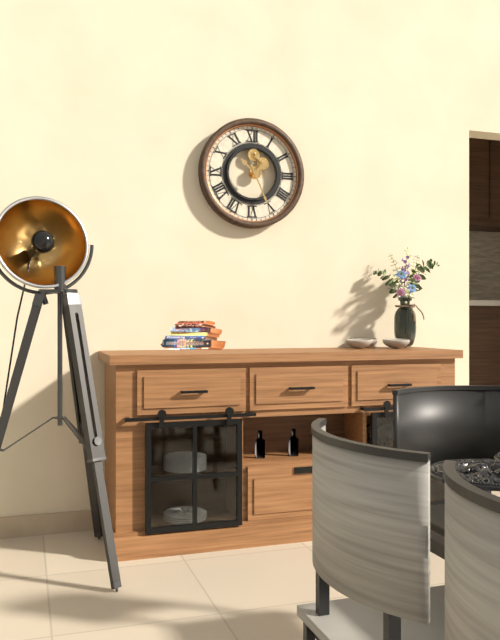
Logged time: 10,26
